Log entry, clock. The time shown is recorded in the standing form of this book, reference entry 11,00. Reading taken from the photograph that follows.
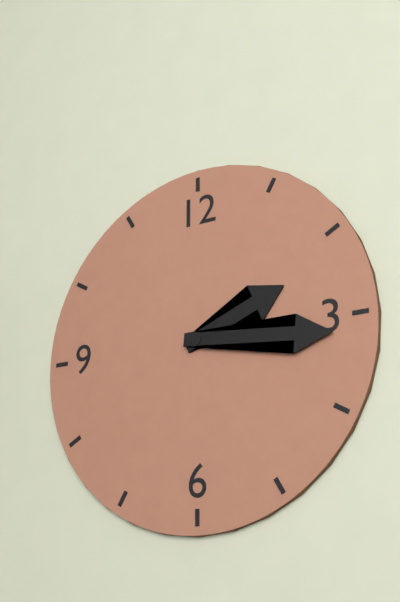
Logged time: 2,16
